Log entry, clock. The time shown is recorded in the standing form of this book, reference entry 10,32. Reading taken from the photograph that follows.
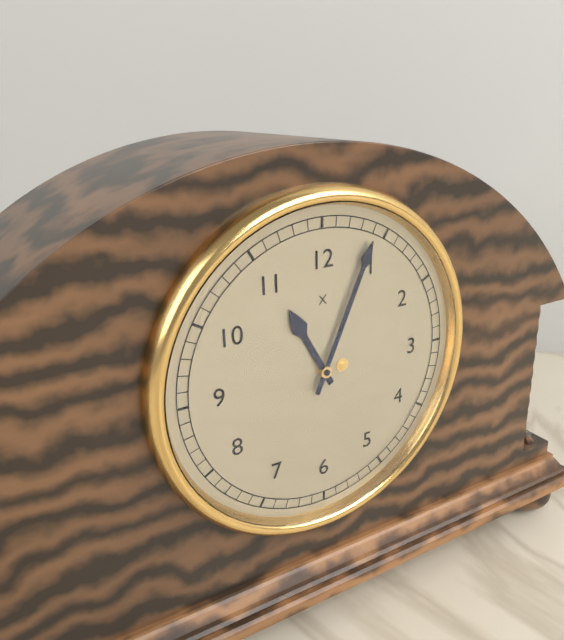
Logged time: 11,04
